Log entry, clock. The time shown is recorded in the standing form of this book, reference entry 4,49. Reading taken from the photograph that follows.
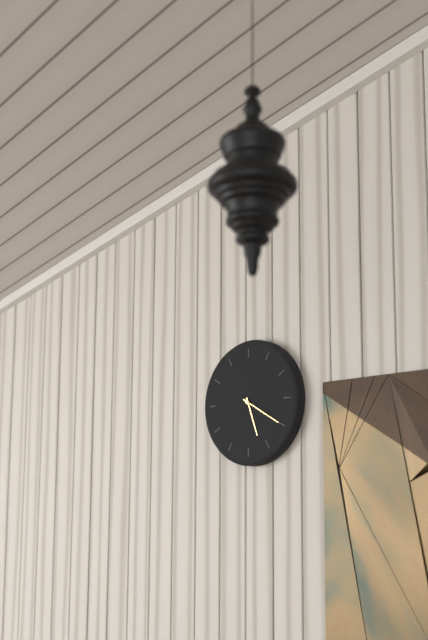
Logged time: 5,20
